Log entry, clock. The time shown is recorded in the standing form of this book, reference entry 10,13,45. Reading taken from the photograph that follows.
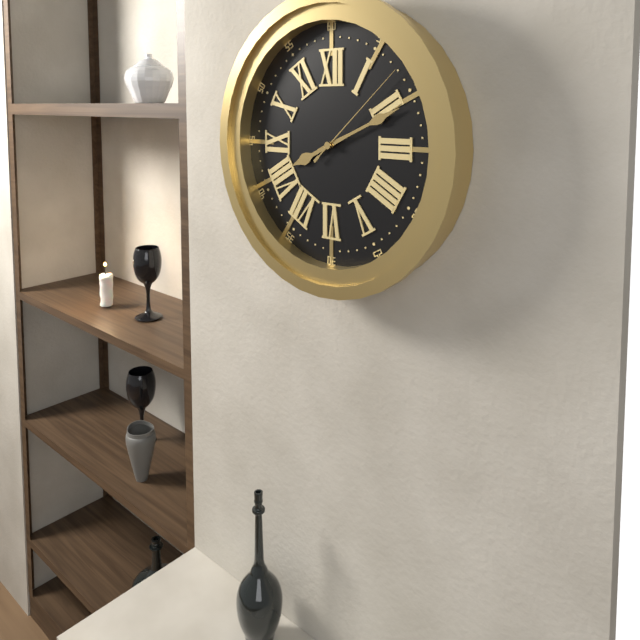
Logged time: 8,11,08
